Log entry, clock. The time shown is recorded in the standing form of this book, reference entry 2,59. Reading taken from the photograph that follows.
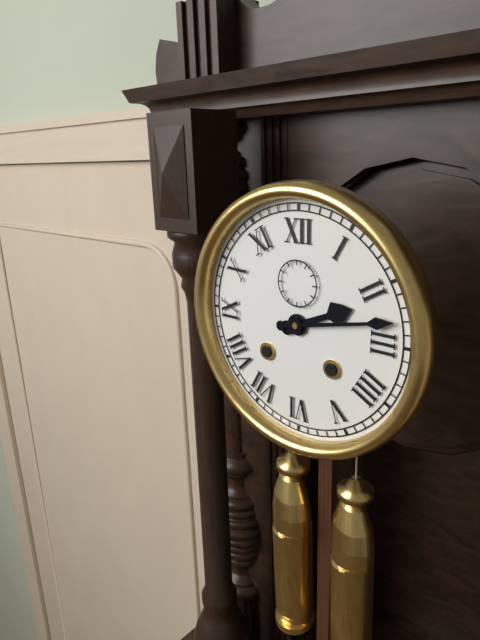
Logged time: 2,13
